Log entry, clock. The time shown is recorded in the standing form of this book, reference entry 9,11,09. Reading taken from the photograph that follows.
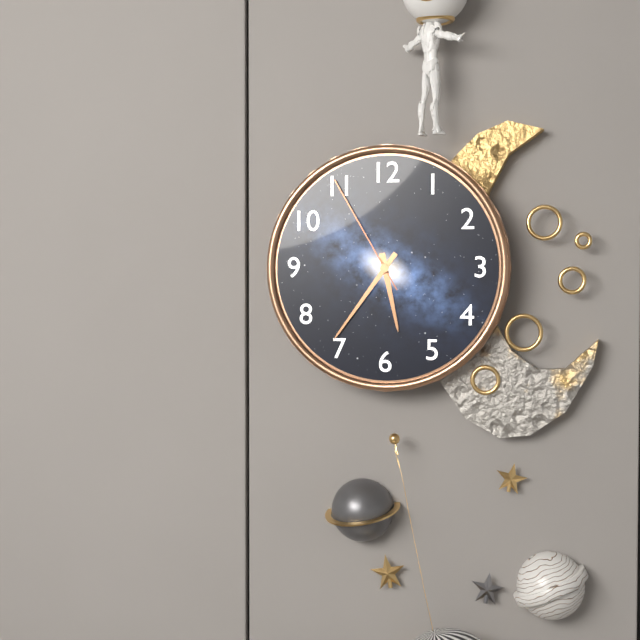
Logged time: 5,36,55
